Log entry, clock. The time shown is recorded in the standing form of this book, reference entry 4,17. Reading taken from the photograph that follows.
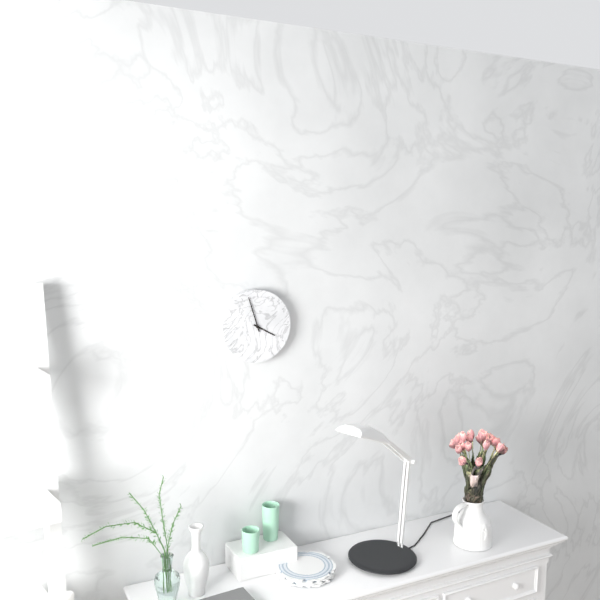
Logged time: 3,57
